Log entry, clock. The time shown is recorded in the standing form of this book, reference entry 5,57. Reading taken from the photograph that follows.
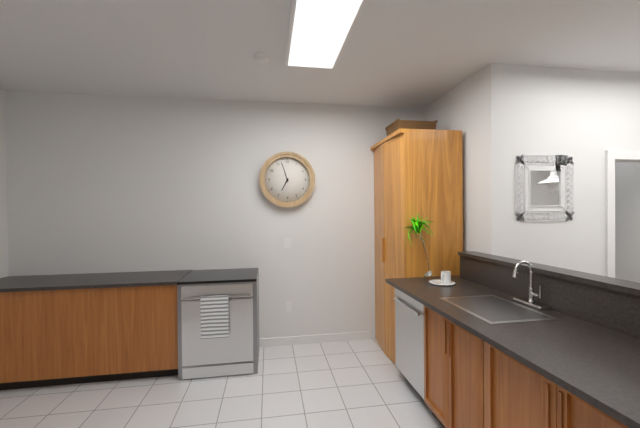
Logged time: 6,57
